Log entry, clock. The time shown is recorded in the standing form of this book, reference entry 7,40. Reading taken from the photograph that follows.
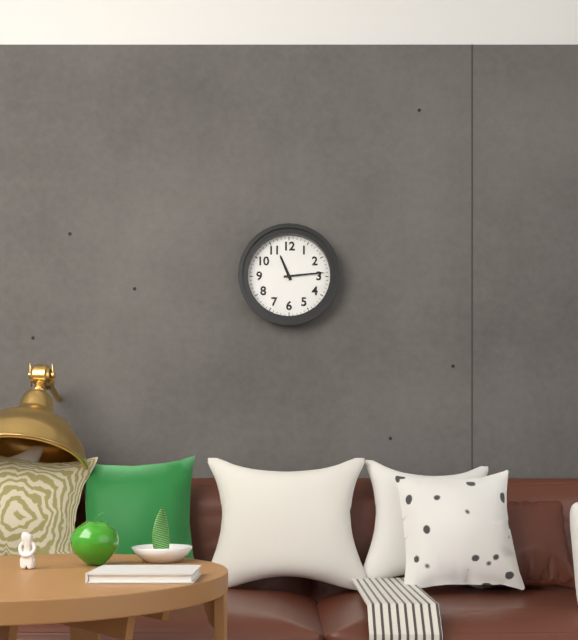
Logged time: 11,14
